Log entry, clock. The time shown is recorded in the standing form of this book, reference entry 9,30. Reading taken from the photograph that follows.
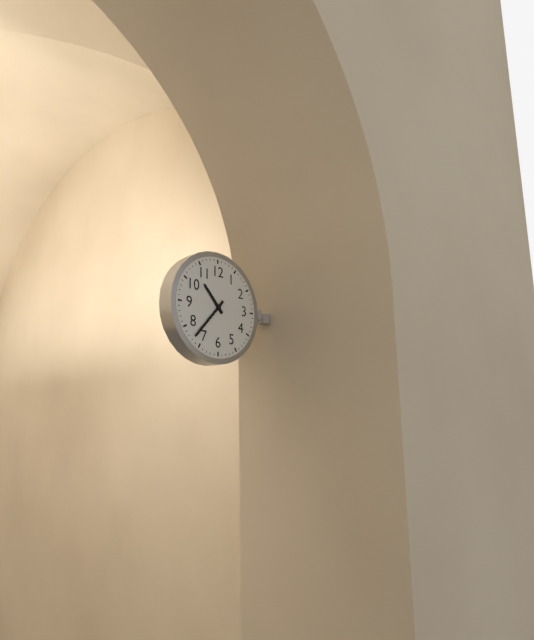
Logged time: 10,37
